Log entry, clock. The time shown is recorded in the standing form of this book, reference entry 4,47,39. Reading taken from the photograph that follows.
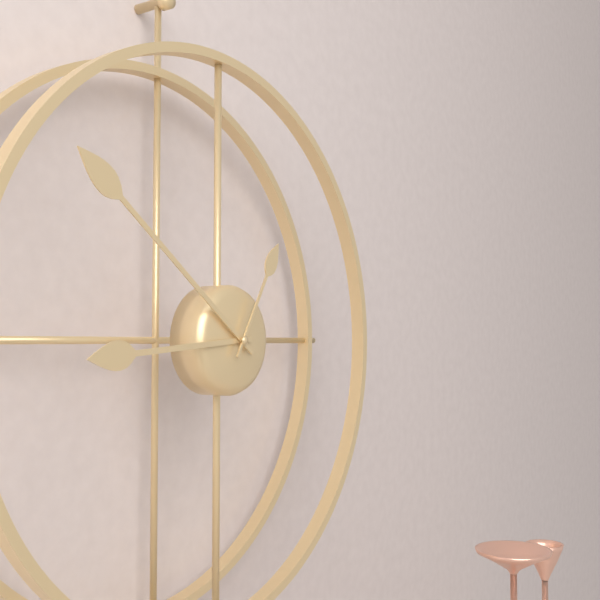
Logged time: 8,51,05
